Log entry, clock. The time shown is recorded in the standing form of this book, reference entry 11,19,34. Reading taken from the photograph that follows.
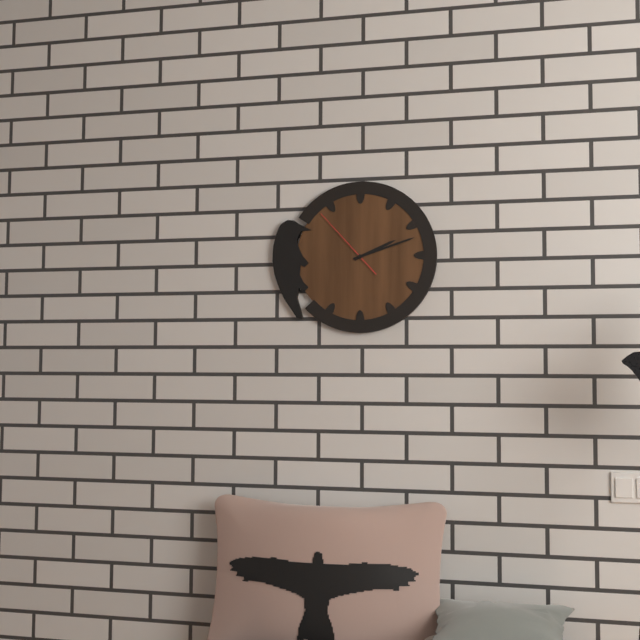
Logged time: 2,12,53
